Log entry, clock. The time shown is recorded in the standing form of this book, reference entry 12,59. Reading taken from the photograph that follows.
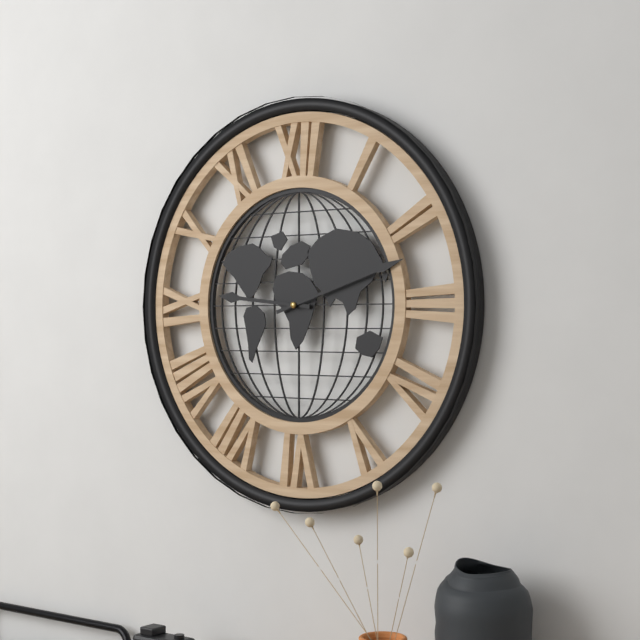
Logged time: 9,12
